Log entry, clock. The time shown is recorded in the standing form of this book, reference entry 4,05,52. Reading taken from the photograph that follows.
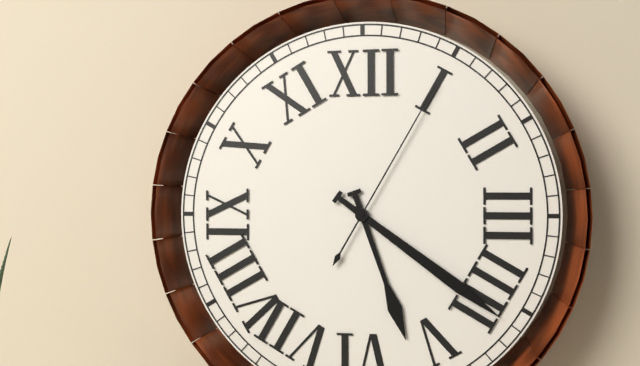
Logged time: 5,21,05
